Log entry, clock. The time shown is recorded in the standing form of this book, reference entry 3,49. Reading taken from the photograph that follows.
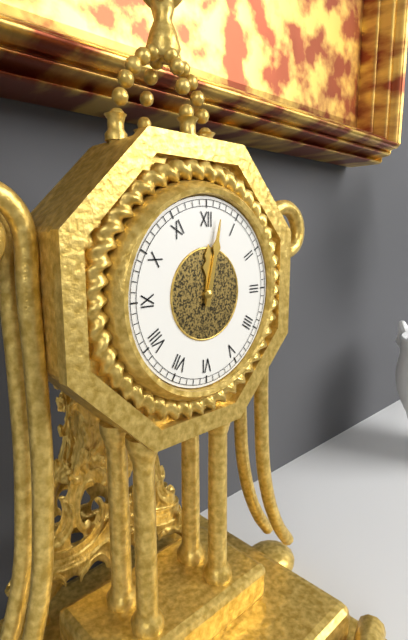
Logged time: 12,02
